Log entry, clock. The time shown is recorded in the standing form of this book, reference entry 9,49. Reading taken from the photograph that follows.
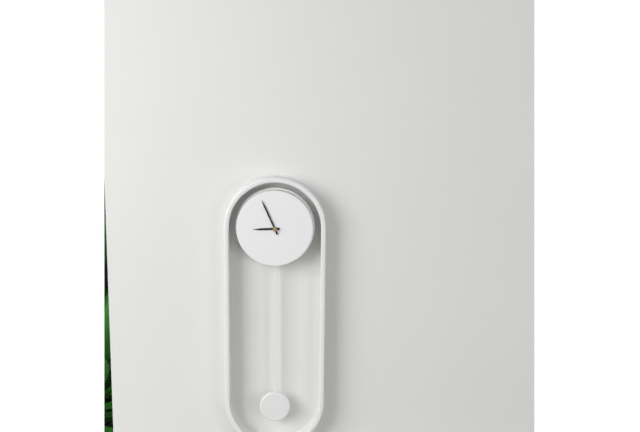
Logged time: 8,56
